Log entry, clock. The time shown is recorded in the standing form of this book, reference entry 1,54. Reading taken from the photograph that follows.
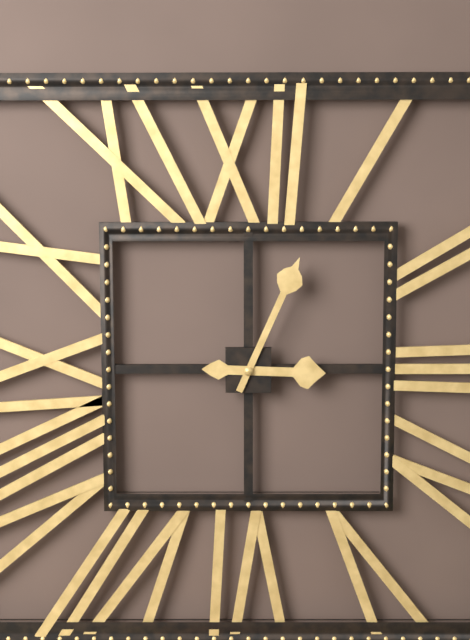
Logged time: 3,04
